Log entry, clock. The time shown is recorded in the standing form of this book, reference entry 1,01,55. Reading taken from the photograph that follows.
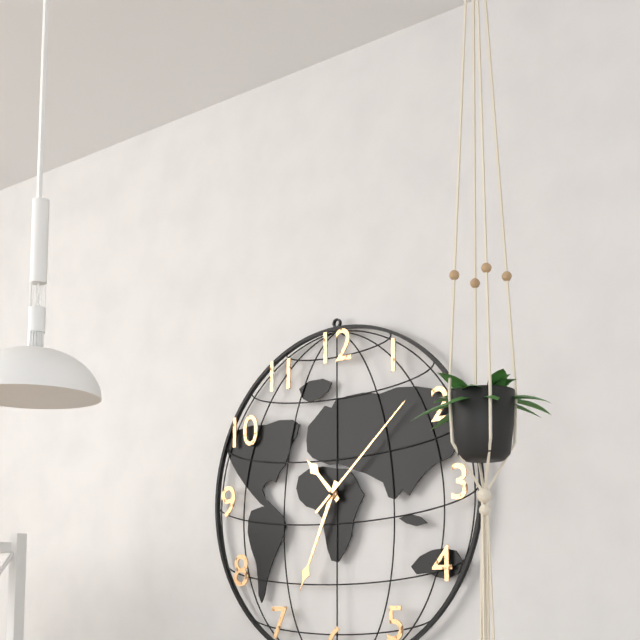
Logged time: 10,34,08
